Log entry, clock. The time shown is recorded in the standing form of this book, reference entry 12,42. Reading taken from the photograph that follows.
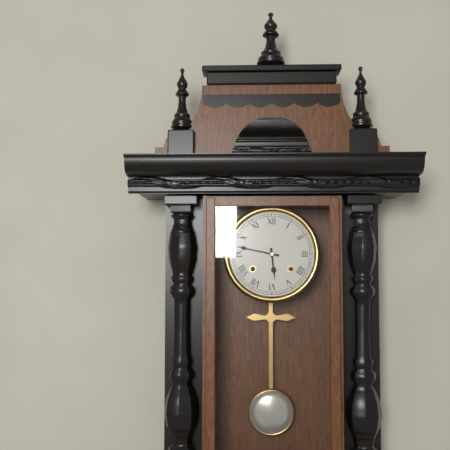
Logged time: 5,47
